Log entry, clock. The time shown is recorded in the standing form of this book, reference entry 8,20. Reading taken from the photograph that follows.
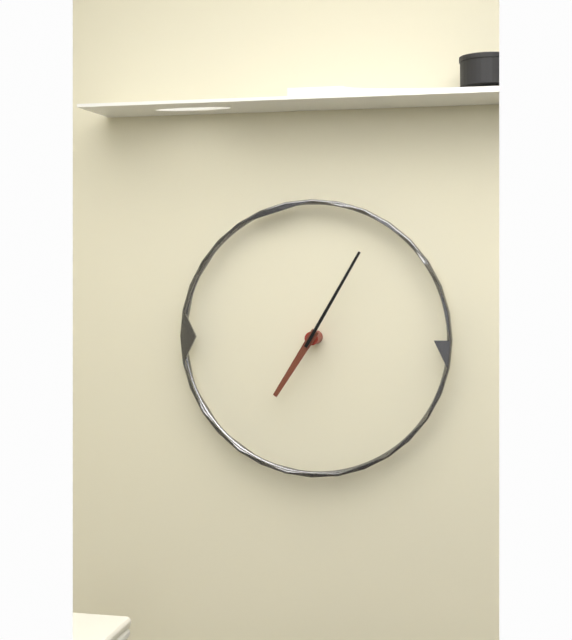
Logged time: 7,05
